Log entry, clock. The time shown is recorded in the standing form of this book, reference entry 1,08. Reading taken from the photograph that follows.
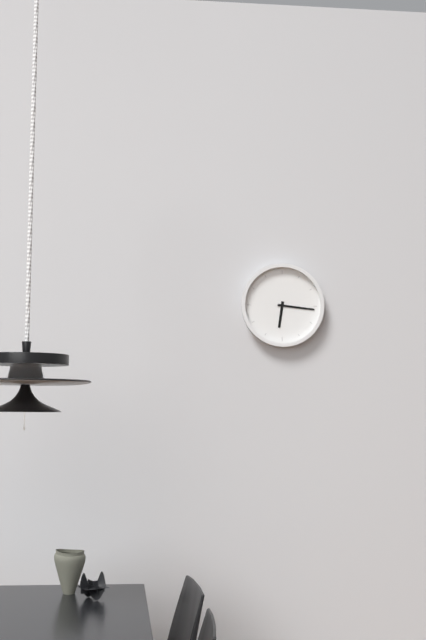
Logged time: 6,16
